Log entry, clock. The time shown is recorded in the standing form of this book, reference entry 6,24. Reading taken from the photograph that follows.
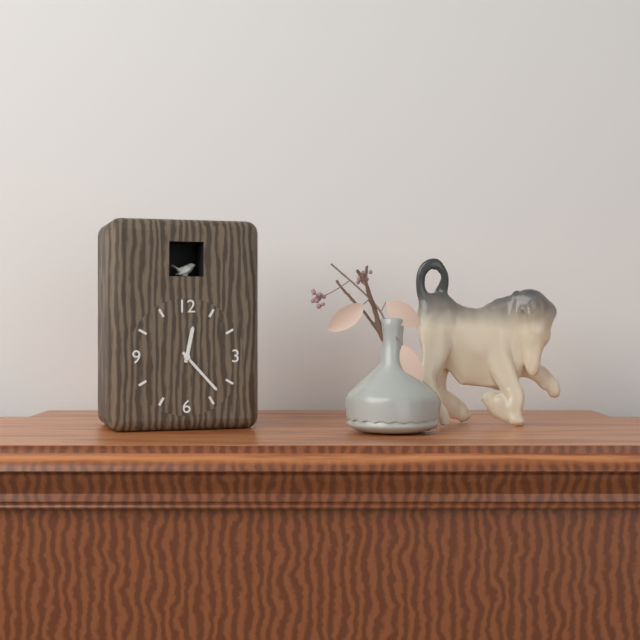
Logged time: 12,23
